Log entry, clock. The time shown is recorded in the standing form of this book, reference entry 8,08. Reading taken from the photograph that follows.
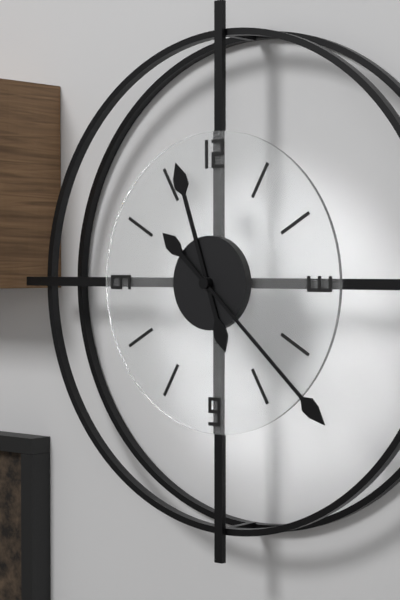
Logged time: 11,22
